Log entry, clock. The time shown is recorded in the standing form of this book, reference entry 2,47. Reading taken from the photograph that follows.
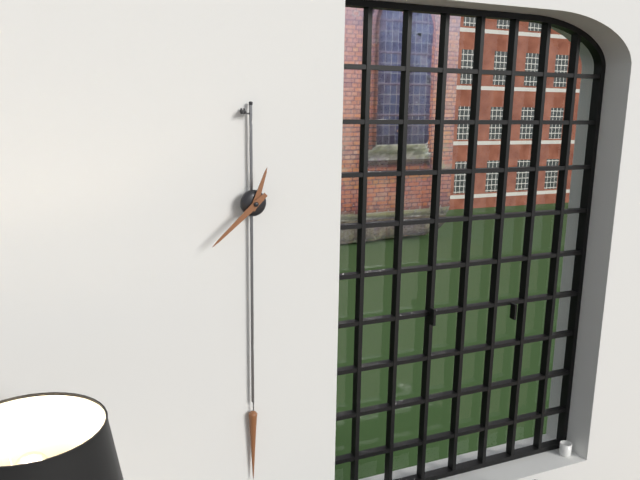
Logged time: 12,38
